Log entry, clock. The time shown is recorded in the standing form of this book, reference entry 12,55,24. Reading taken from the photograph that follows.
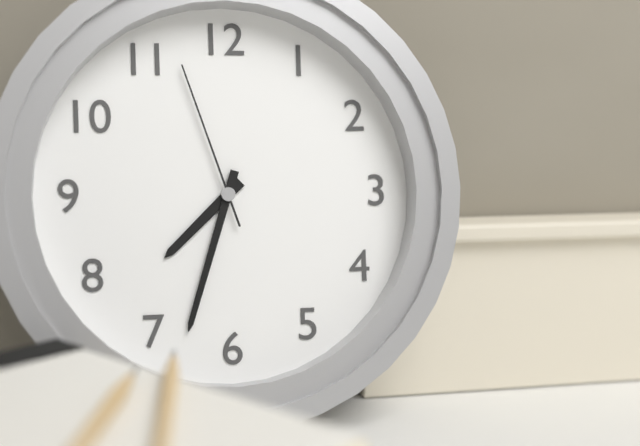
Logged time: 7,33,57
